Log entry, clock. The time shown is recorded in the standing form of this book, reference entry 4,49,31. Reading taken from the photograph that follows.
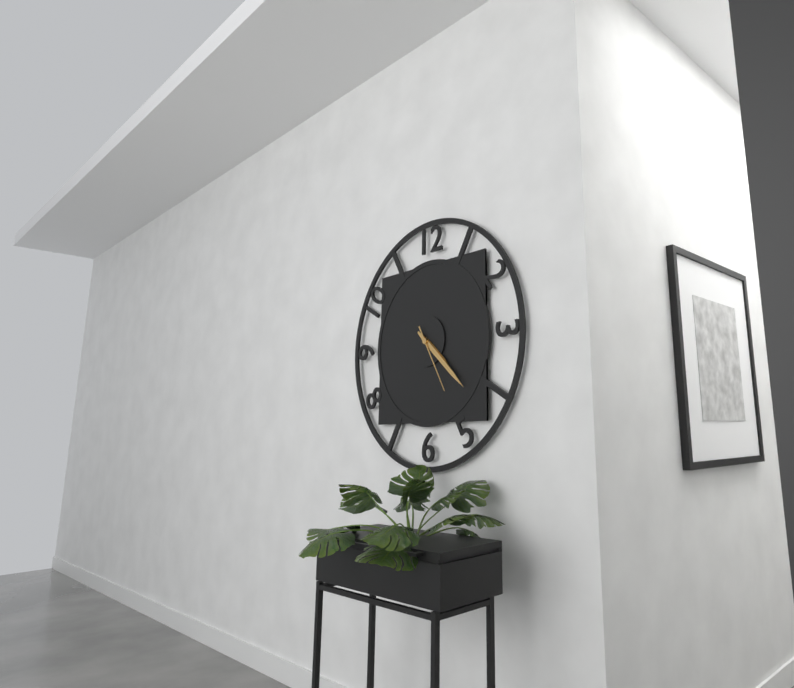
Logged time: 4,22,25
